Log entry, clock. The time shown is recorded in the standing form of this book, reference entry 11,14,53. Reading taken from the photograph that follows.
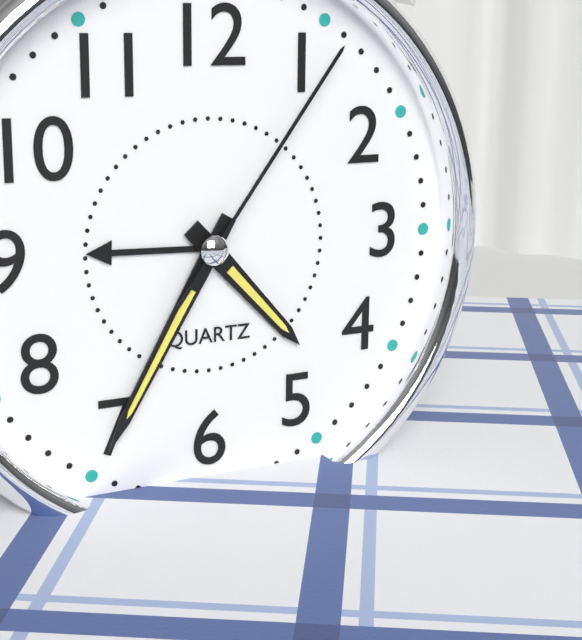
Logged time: 4,35,06
